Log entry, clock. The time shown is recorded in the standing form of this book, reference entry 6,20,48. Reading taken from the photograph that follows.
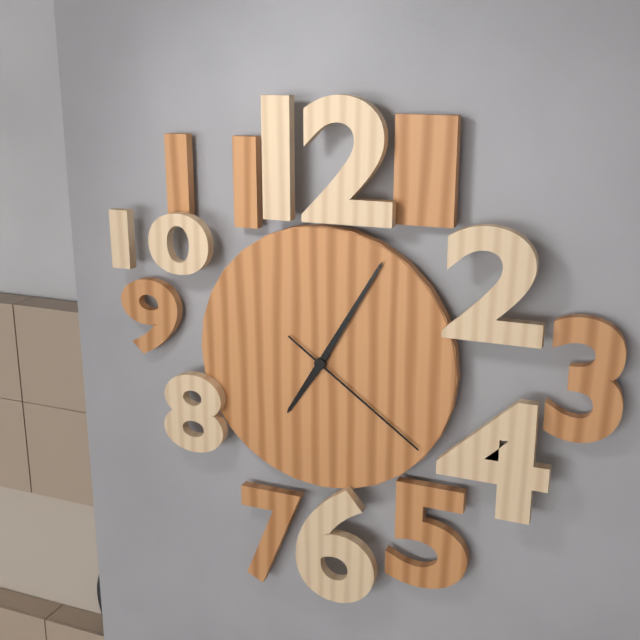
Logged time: 7,05,21
